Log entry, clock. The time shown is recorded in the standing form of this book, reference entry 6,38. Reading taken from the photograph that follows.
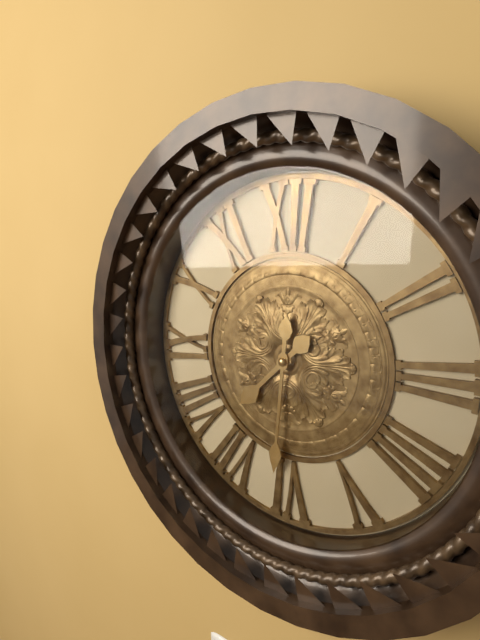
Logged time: 7,31
